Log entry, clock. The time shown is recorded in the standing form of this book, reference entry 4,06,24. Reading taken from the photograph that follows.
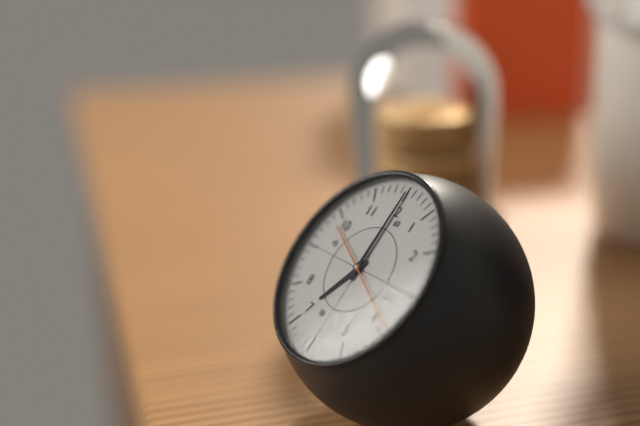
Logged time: 7,00,19
